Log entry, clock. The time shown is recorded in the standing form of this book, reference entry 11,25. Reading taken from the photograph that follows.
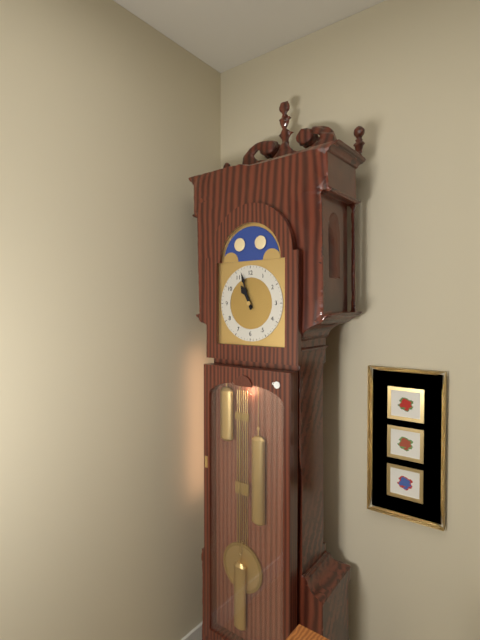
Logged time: 10,57
